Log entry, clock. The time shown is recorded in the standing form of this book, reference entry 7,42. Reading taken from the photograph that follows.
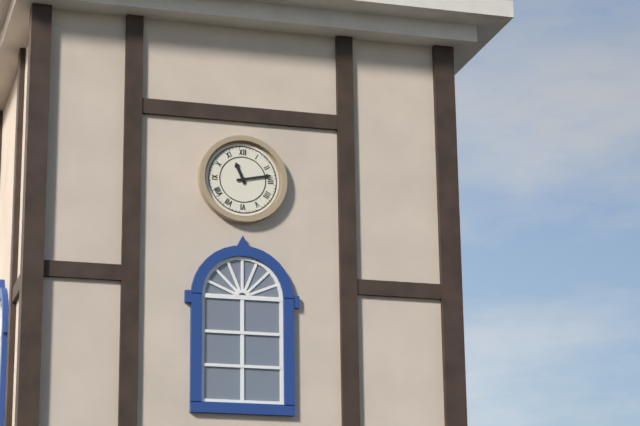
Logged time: 11,13
